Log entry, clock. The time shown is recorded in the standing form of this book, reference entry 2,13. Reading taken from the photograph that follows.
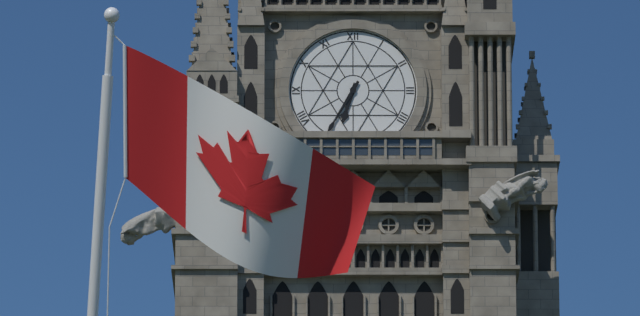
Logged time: 6,35
